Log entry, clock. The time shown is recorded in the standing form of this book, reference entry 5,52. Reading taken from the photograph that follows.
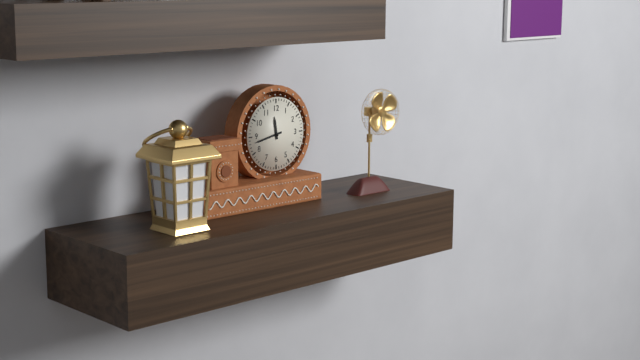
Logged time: 11,43
